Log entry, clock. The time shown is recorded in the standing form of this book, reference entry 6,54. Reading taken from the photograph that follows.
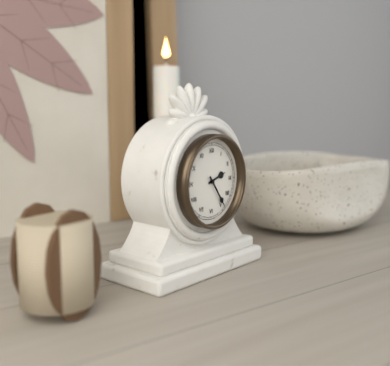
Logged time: 2,24
